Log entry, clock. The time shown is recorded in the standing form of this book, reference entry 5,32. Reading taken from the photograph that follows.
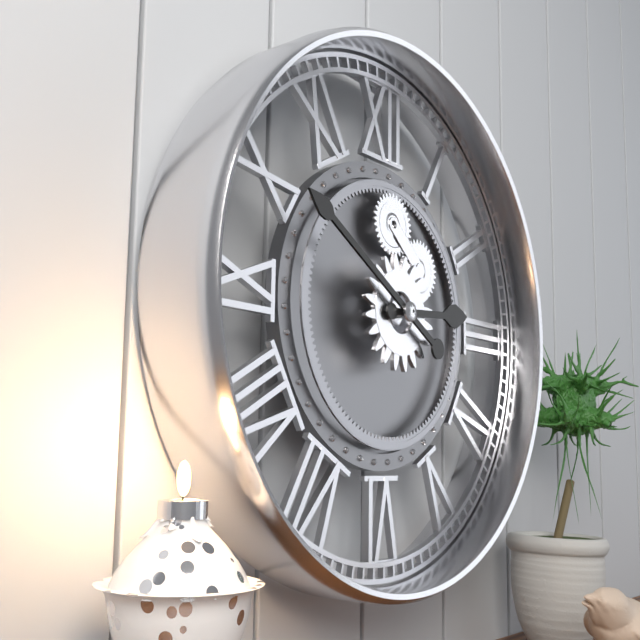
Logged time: 2,50
